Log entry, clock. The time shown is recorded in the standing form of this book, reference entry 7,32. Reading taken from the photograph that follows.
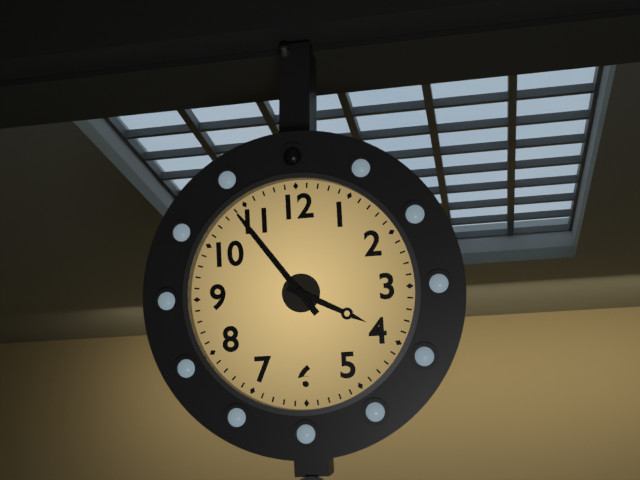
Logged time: 3,54
